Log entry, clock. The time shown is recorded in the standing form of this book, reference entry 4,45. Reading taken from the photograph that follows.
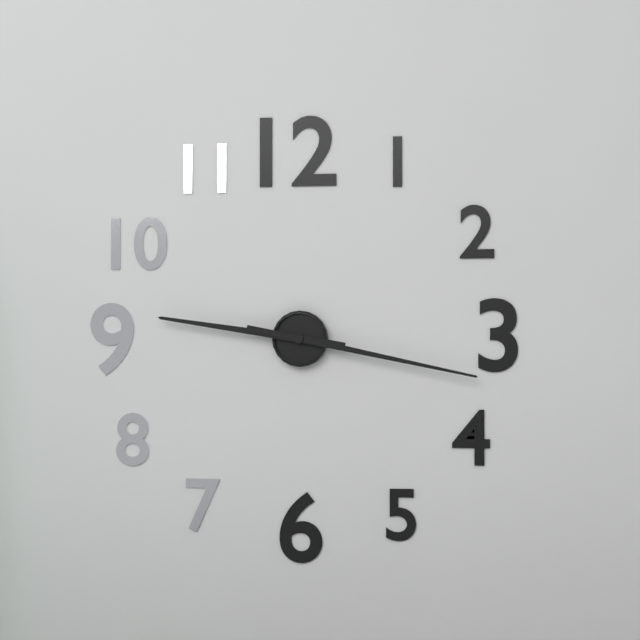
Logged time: 9,17
